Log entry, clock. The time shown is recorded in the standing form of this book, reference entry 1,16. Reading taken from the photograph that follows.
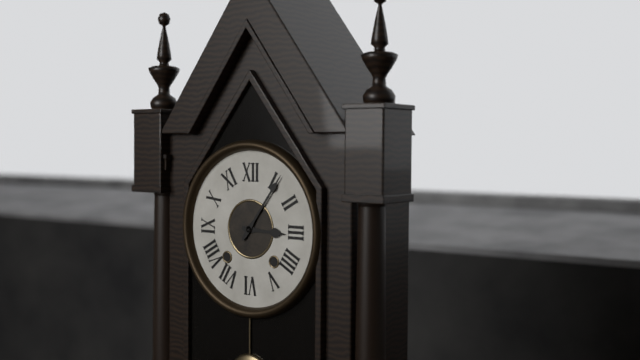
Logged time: 3,06
